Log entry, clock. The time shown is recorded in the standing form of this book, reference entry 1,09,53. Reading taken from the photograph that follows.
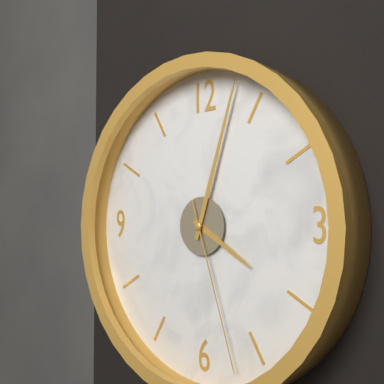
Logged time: 4,03,27
